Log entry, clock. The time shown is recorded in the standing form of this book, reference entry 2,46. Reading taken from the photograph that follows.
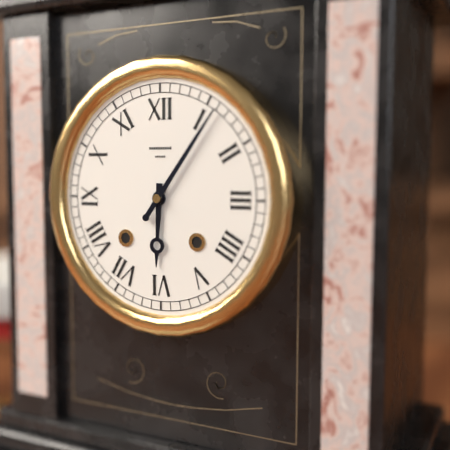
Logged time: 6,06
